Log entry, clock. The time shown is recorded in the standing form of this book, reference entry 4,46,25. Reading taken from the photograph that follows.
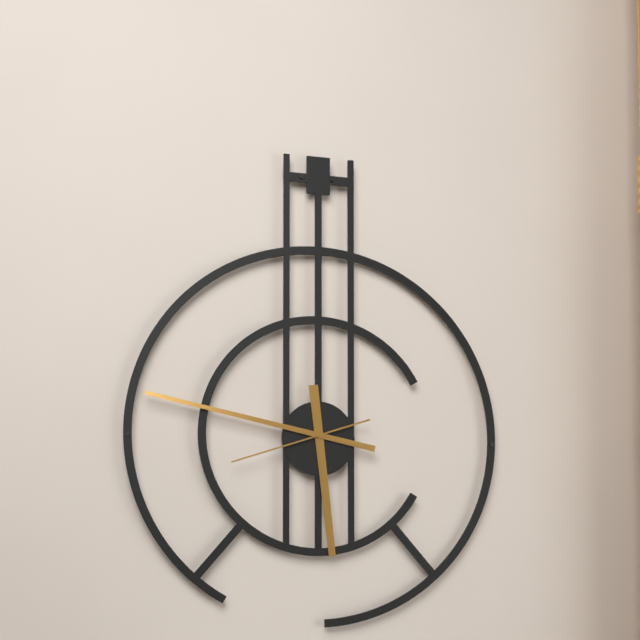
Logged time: 5,47,42
